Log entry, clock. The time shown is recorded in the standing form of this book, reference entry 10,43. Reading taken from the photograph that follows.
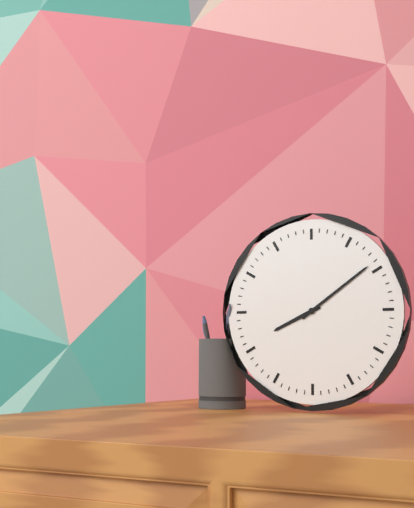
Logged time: 8,09
